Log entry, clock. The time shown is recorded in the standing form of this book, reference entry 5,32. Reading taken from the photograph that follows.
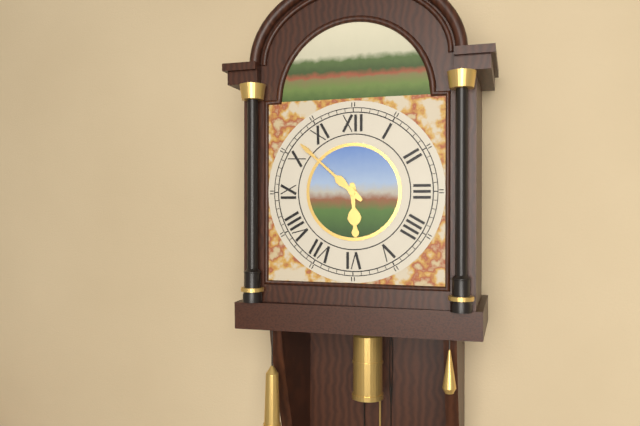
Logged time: 5,52
